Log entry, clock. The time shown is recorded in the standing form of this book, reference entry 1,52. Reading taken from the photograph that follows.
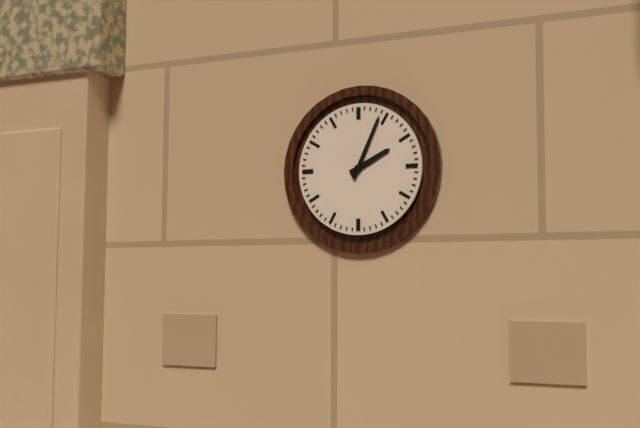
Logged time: 2,04
